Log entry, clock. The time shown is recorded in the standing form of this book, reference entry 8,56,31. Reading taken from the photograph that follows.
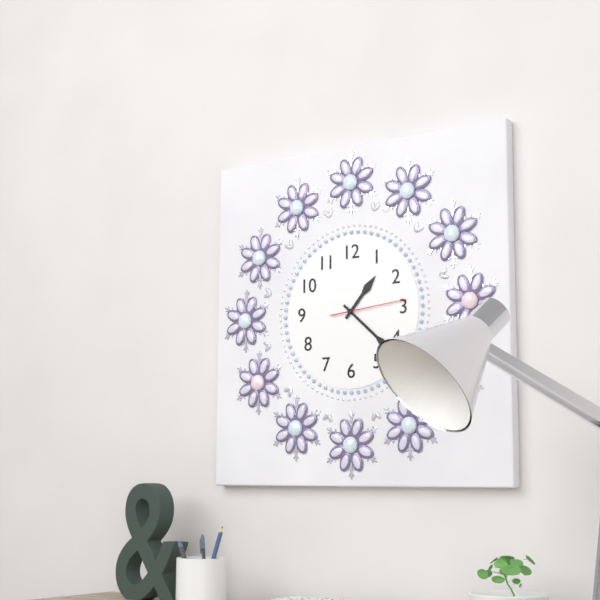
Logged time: 1,22,14
